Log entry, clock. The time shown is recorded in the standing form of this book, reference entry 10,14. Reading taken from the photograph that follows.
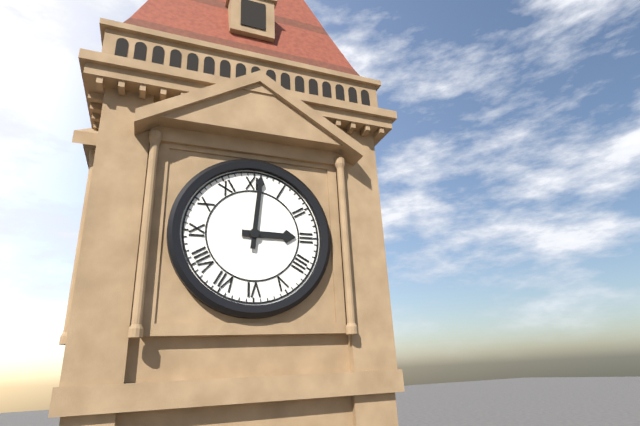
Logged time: 3,01
